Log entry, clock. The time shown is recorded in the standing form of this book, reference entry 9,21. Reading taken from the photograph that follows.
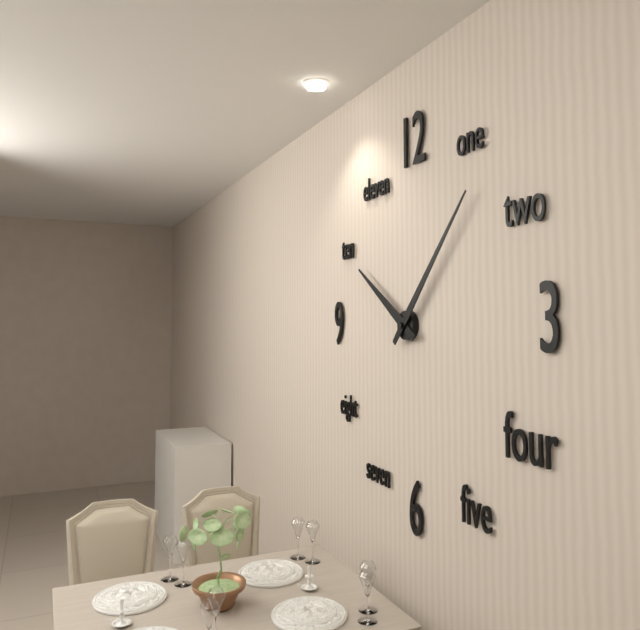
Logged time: 10,07
